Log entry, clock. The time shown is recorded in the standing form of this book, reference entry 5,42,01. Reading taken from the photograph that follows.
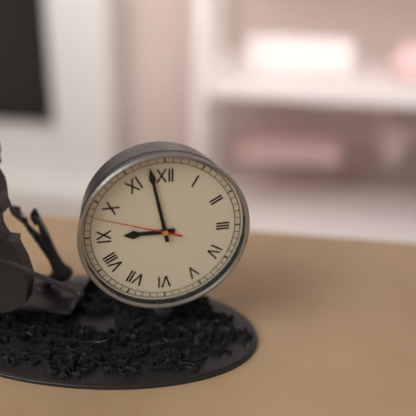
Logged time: 8,58,48
